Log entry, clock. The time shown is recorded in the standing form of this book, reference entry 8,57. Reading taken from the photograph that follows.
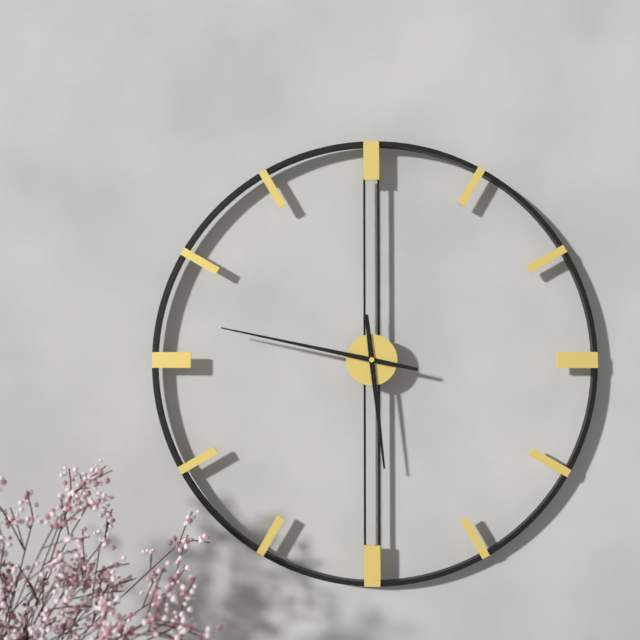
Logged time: 5,47
